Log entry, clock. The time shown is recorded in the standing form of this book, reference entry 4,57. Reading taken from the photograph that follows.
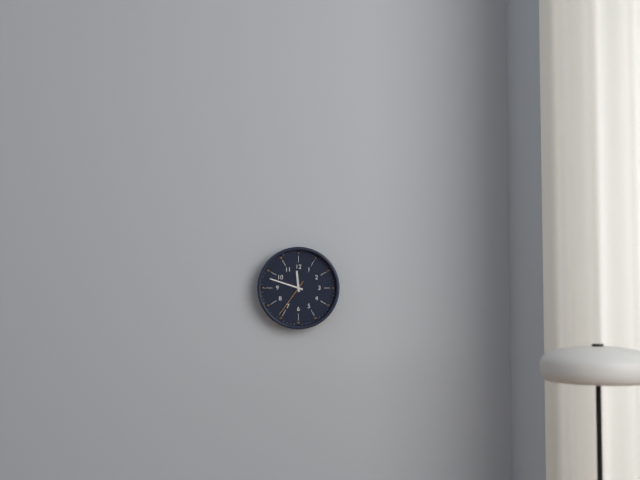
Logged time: 11,48
